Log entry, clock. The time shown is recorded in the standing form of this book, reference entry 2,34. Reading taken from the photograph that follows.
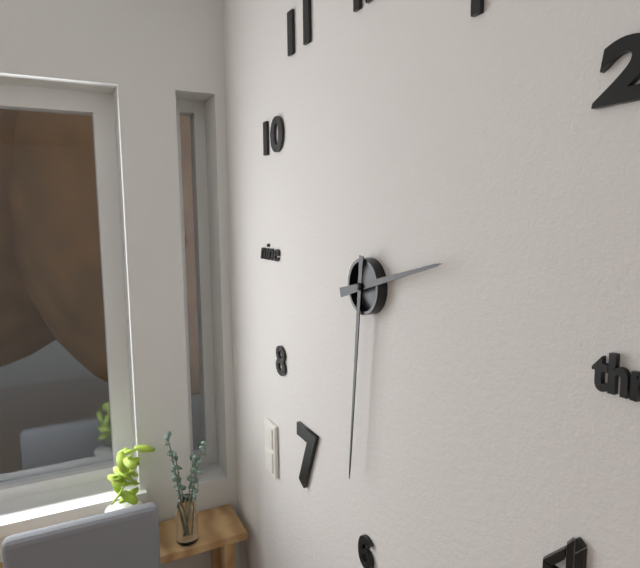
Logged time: 2,31
